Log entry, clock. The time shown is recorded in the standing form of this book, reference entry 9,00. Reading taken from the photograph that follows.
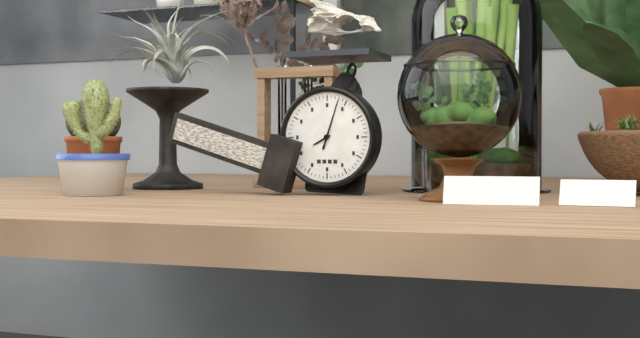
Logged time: 8,03
